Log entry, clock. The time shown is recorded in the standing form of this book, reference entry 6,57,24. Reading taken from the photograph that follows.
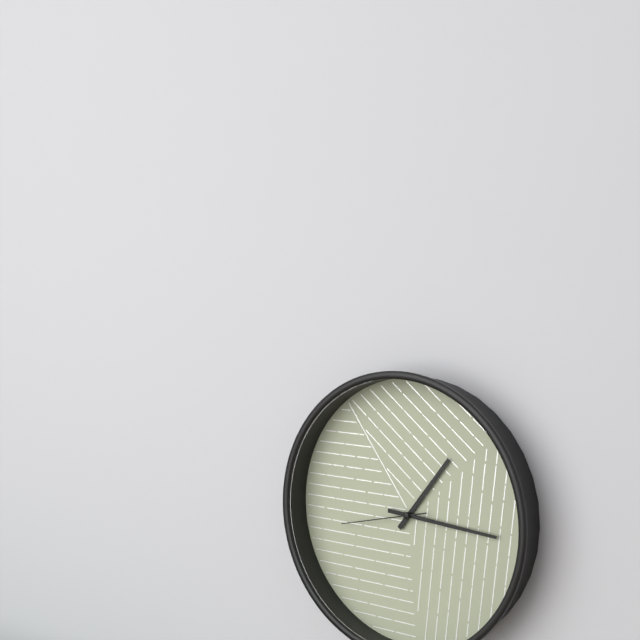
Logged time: 1,16,43
